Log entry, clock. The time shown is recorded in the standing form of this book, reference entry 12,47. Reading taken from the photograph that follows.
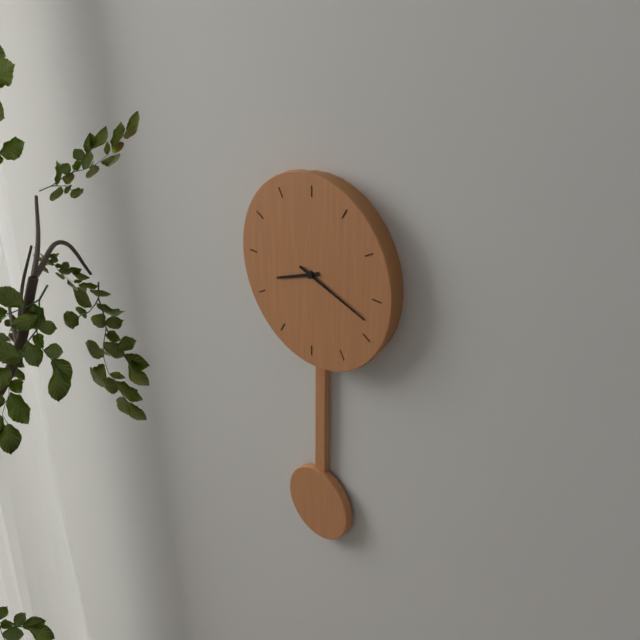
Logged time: 8,18
